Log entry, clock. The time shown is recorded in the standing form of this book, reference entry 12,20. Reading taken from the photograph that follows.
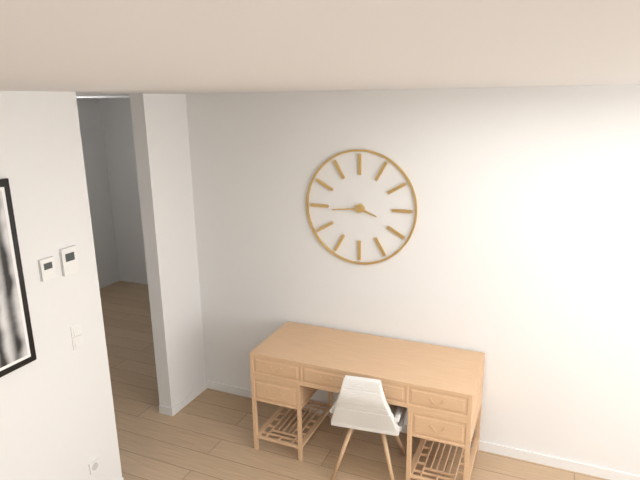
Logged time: 3,44
